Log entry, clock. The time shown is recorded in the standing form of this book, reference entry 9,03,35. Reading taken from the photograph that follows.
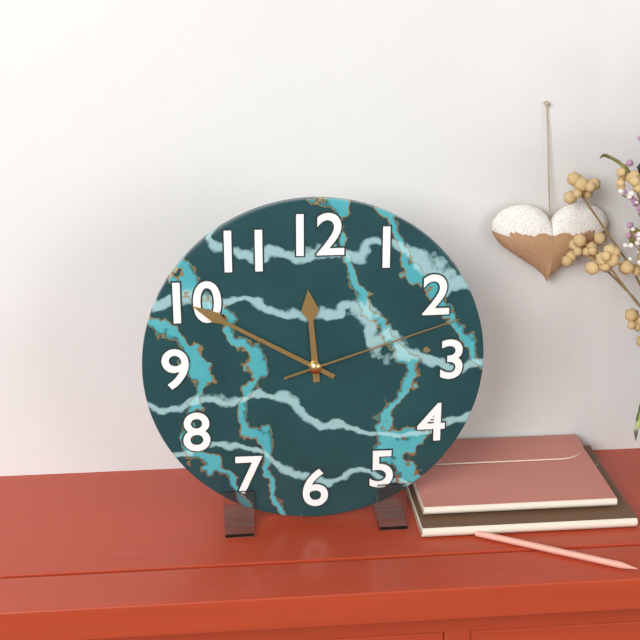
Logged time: 11,50,12
